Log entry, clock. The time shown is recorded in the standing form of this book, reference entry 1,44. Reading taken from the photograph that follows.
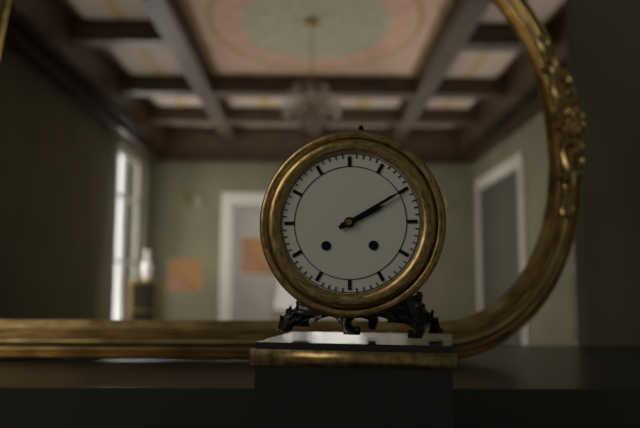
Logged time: 2,10
